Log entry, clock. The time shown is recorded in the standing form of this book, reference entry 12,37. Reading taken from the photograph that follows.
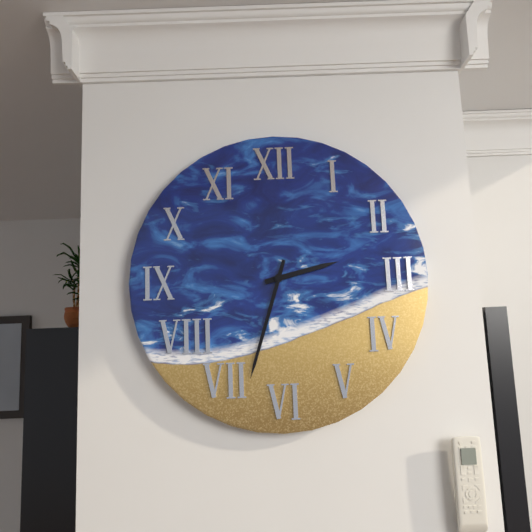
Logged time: 2,33
